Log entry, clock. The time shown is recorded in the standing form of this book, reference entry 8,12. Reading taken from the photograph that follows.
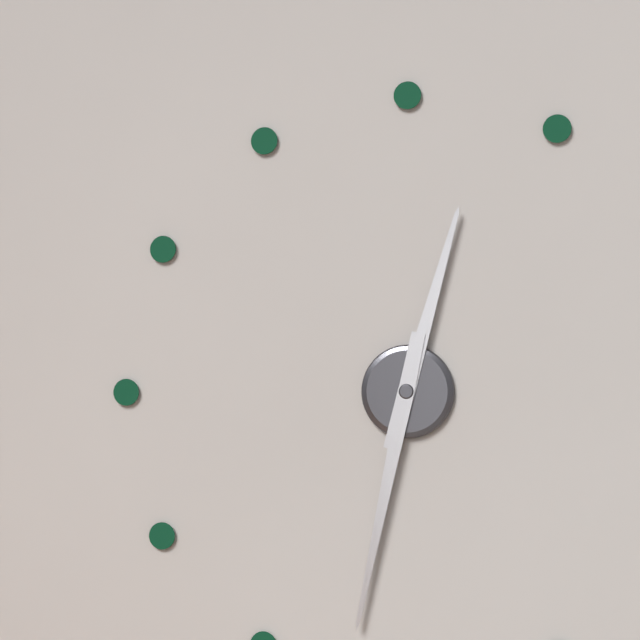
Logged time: 12,32
